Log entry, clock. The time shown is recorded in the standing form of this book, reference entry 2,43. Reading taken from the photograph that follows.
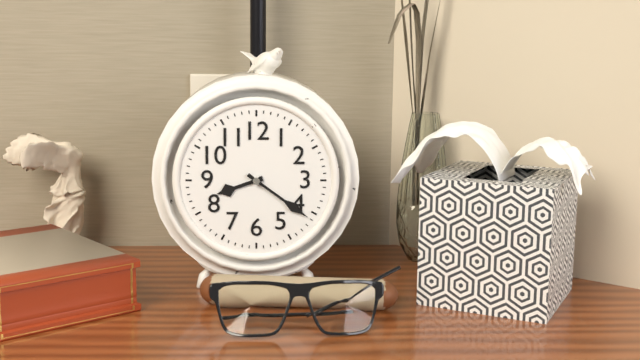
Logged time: 8,21
